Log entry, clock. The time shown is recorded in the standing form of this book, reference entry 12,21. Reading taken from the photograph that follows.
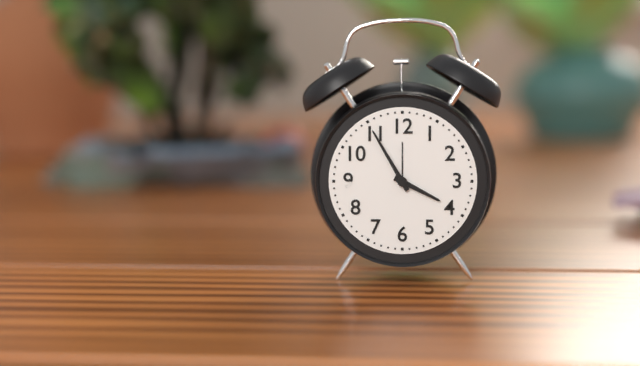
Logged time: 3,55
